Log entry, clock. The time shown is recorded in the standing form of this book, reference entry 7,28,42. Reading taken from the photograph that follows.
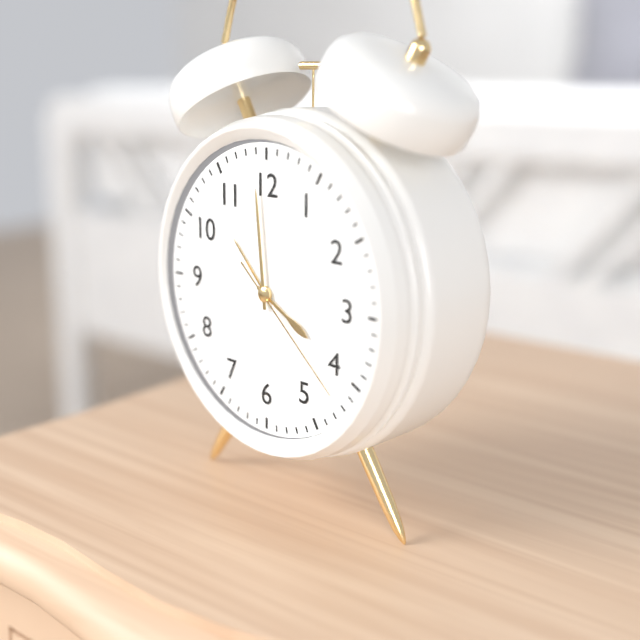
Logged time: 3,59,22
